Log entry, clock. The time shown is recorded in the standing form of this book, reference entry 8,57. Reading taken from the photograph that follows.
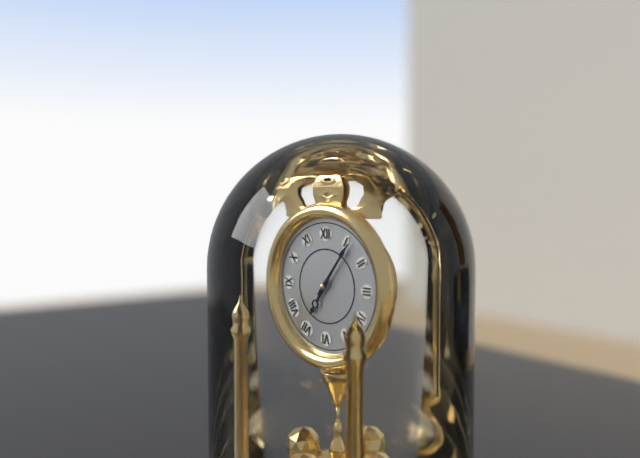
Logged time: 7,06
